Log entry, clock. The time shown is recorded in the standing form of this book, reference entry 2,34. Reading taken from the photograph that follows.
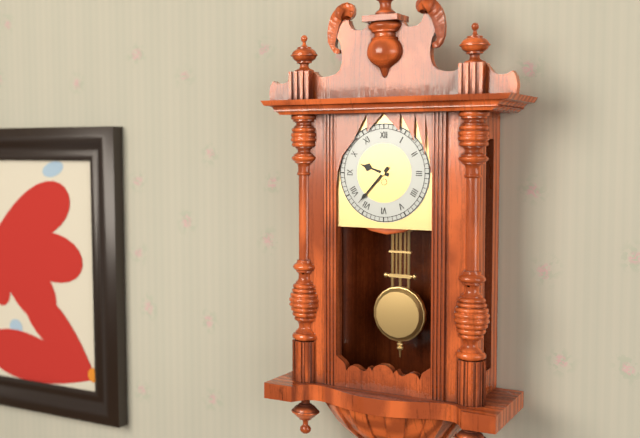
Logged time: 9,37
